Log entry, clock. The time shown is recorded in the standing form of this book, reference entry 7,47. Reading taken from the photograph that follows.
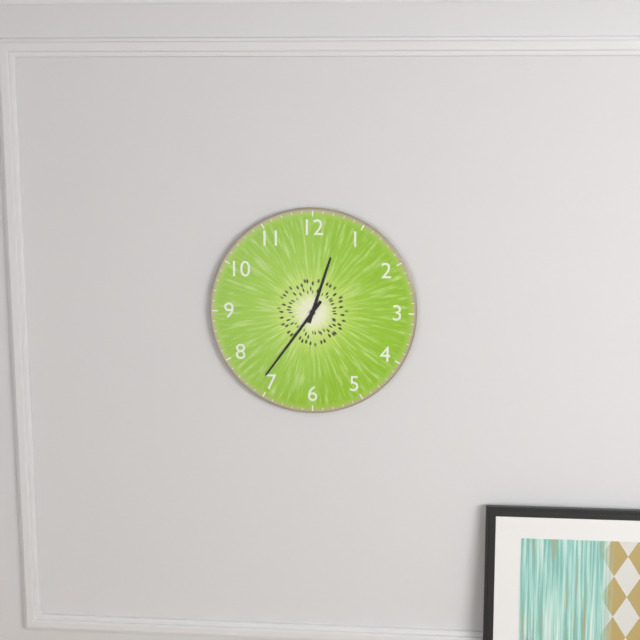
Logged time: 12,36
